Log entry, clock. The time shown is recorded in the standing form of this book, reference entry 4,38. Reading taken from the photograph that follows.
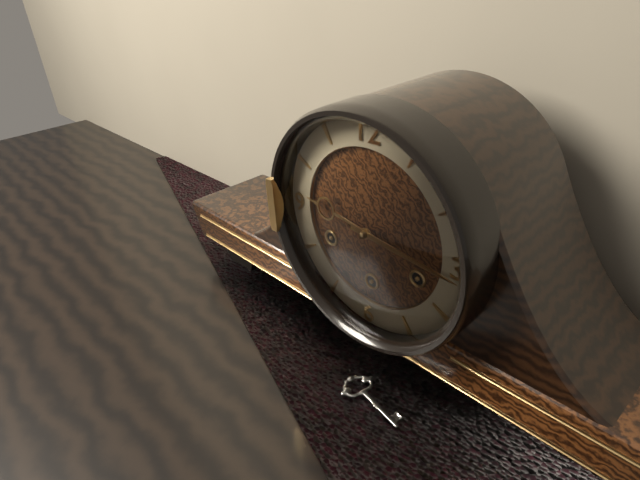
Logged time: 9,16
